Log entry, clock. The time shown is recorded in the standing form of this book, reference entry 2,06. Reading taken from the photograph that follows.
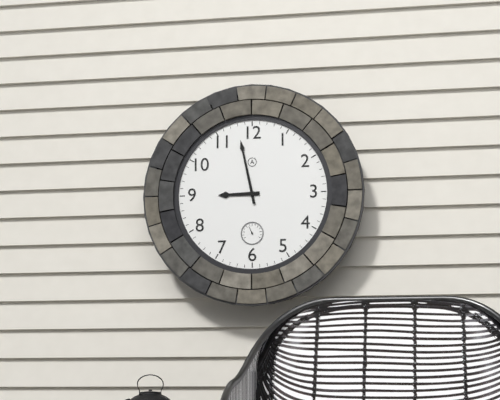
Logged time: 8,58
